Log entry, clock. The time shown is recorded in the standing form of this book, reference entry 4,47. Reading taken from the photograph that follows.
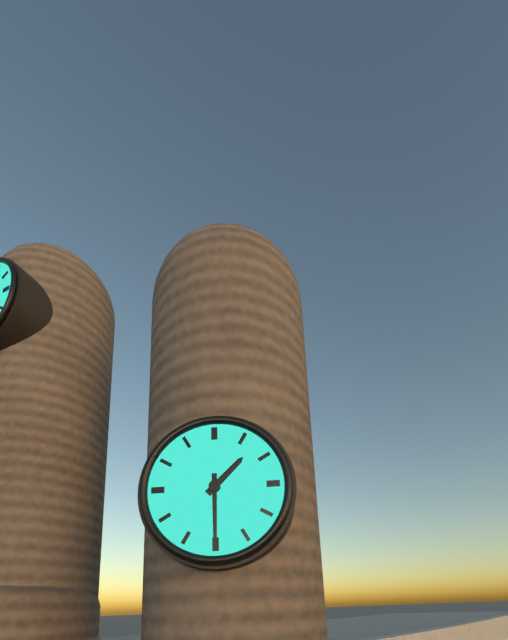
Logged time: 1,30
